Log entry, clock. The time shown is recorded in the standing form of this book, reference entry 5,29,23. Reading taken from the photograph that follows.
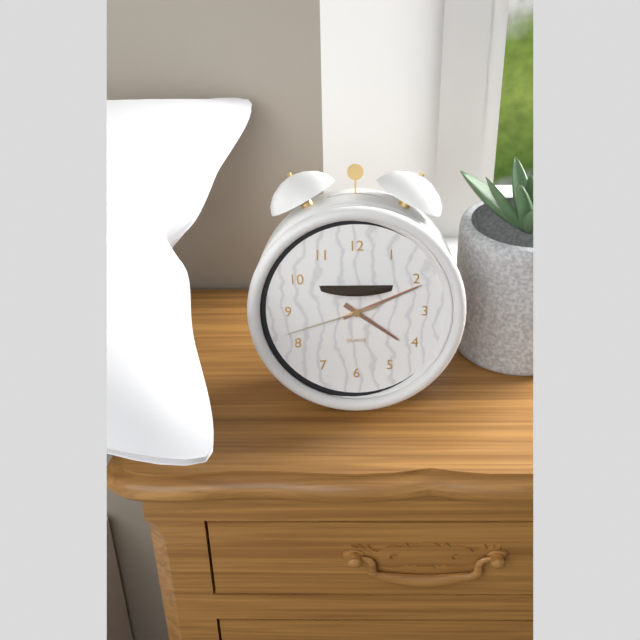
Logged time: 4,11,42
